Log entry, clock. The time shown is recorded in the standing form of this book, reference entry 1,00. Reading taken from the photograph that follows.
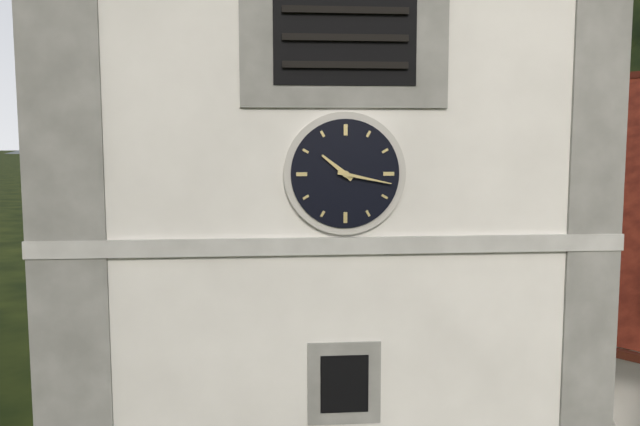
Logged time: 10,17
